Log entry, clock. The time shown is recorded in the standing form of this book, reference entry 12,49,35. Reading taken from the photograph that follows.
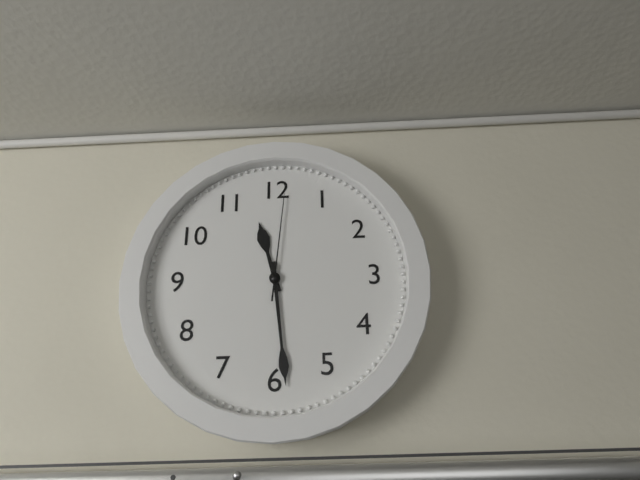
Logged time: 11,29,01
